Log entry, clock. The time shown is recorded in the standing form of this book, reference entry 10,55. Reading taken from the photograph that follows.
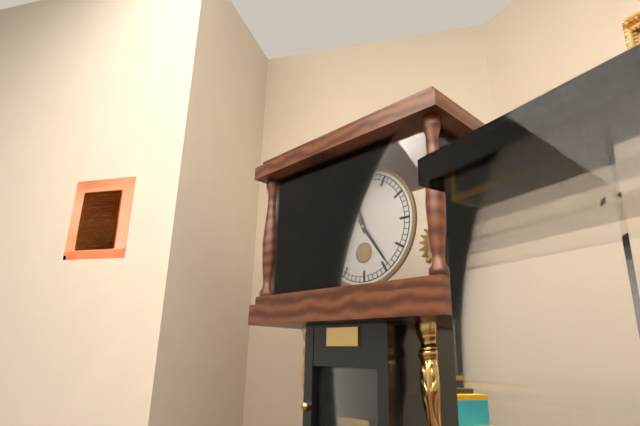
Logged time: 11,24
